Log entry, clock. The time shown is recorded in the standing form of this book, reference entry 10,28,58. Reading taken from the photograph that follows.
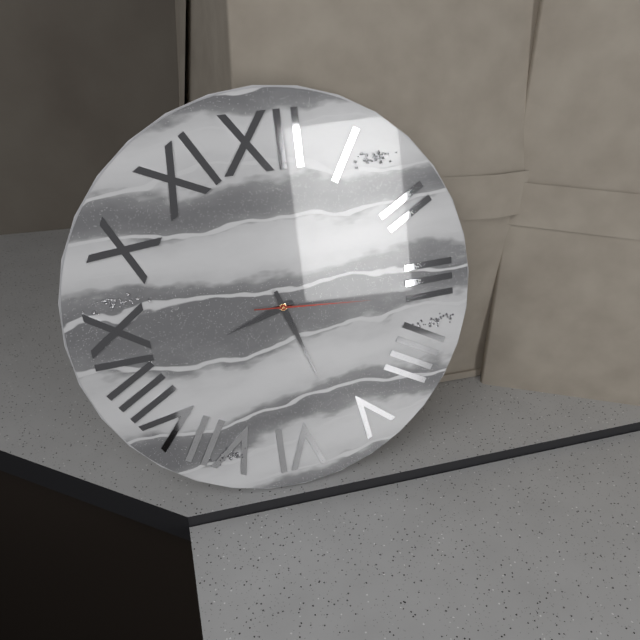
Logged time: 8,27,16
